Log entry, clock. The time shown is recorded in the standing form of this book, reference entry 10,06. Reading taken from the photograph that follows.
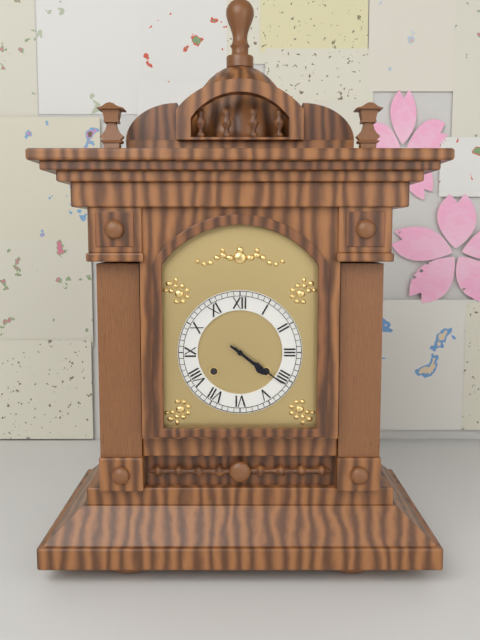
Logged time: 4,21
